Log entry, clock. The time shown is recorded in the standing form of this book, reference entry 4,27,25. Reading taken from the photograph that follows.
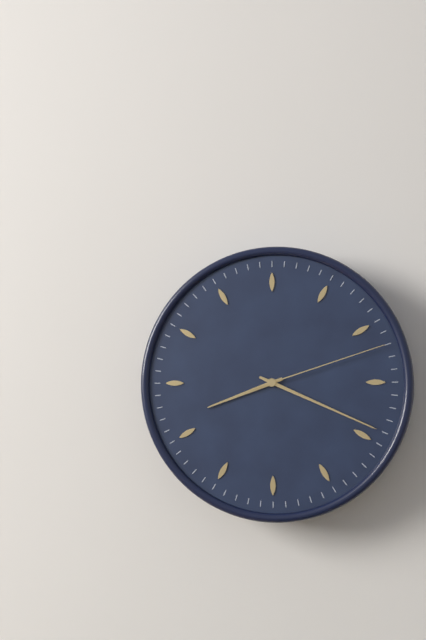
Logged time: 8,19,12
